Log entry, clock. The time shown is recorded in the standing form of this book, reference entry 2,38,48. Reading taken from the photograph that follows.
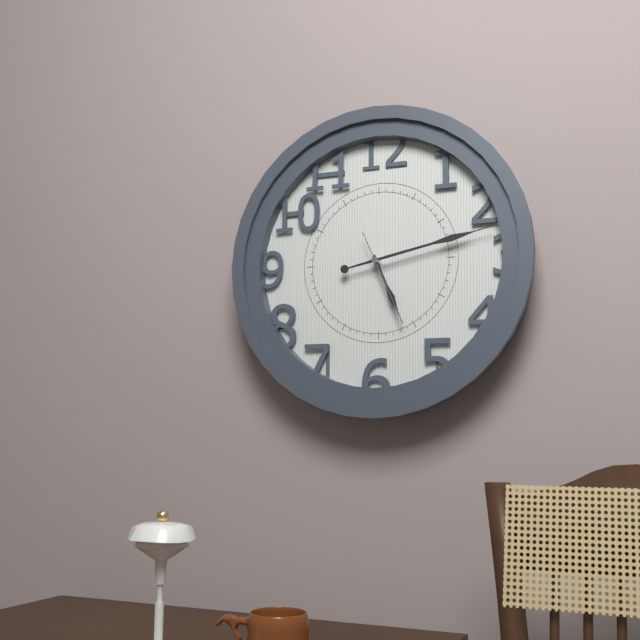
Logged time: 5,13,26
